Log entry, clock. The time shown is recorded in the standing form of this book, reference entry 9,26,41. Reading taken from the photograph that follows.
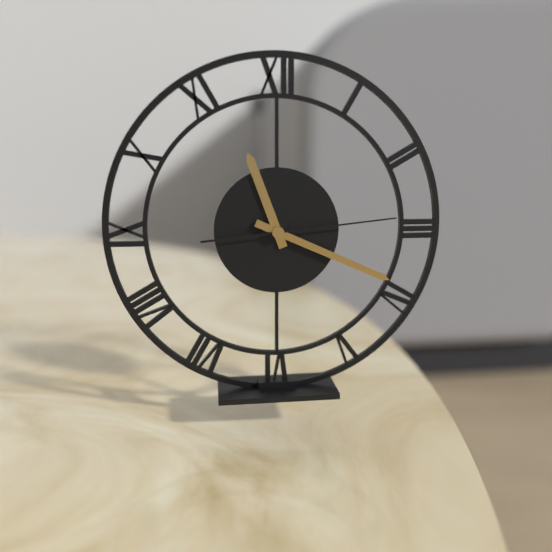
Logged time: 11,19,14
